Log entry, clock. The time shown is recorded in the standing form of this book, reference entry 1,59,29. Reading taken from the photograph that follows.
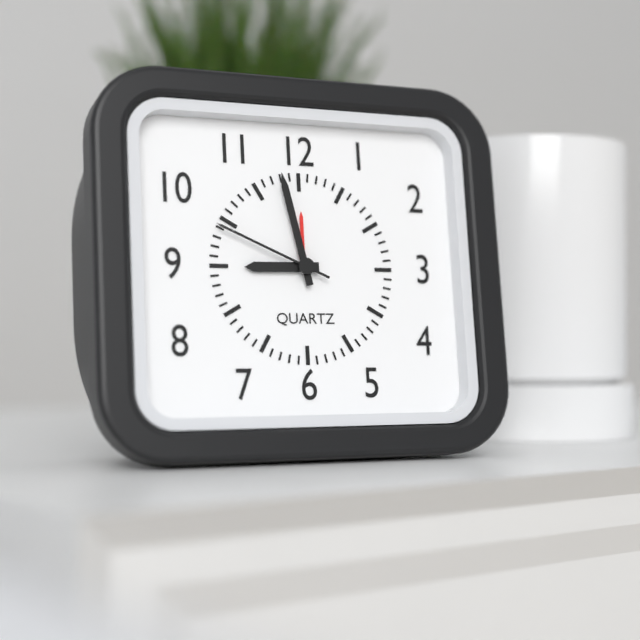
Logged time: 8,58,49
